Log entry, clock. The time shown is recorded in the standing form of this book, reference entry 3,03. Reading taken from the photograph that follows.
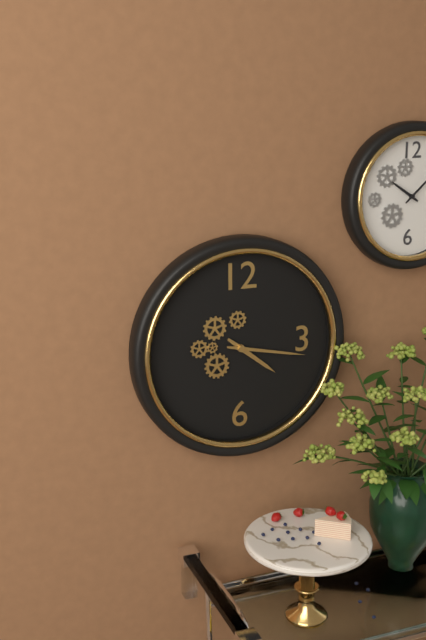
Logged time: 4,17
